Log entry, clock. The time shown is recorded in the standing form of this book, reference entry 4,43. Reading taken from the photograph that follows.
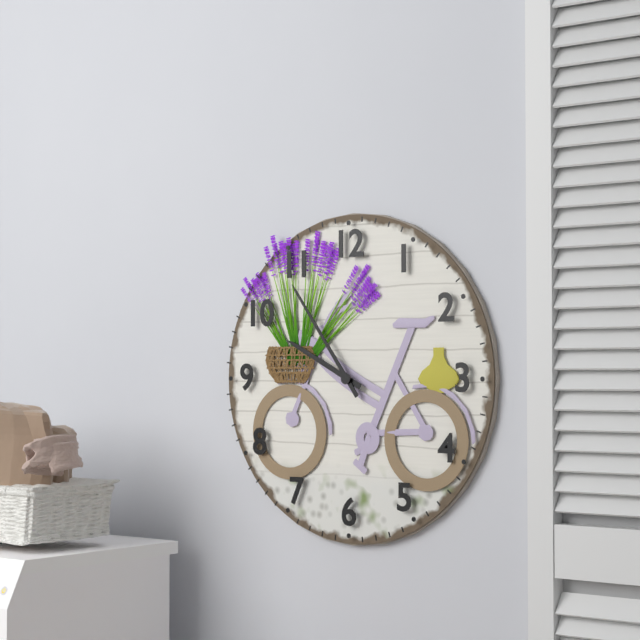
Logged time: 9,54
